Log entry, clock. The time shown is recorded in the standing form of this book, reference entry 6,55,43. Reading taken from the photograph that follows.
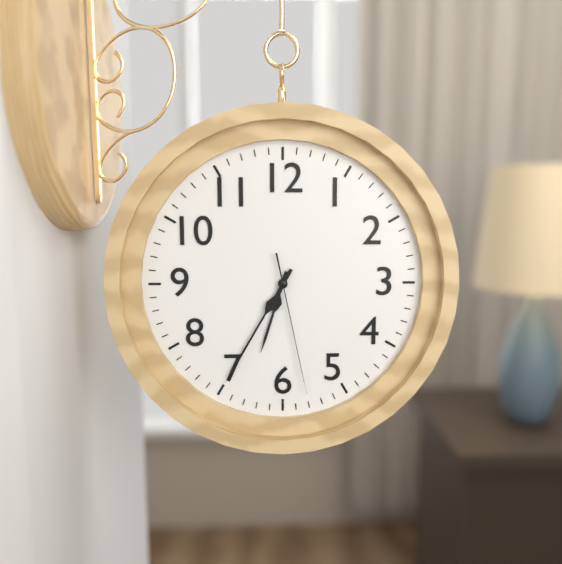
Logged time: 6,35,28
